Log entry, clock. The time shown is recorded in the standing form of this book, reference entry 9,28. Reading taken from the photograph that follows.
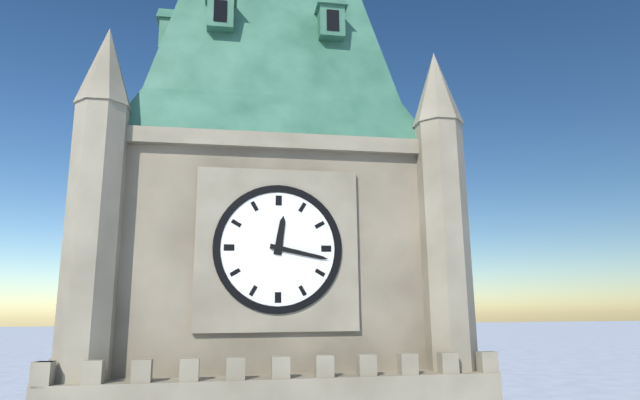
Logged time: 12,17
